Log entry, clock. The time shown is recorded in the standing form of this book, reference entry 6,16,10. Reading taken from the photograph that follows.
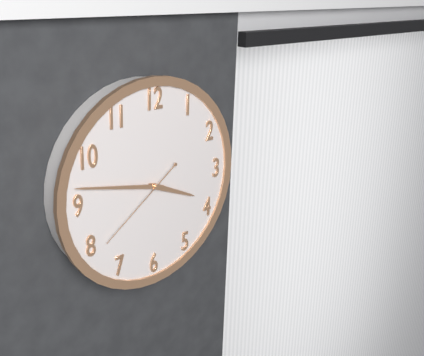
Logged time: 3,47,39
